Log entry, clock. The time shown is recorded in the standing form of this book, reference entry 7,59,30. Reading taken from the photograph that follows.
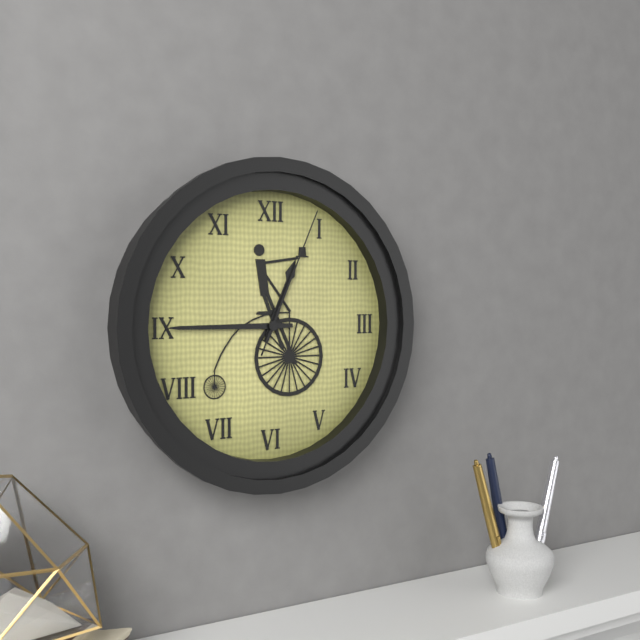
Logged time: 12,45,04
